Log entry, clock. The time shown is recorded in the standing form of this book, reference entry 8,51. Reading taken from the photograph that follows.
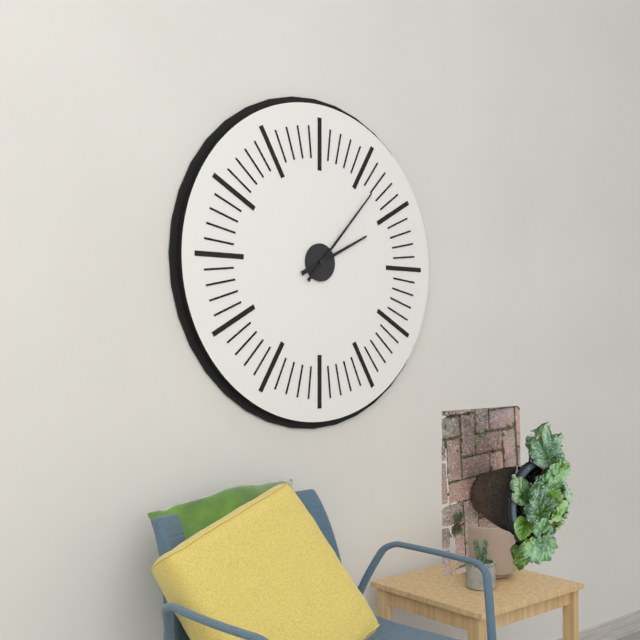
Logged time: 2,07
